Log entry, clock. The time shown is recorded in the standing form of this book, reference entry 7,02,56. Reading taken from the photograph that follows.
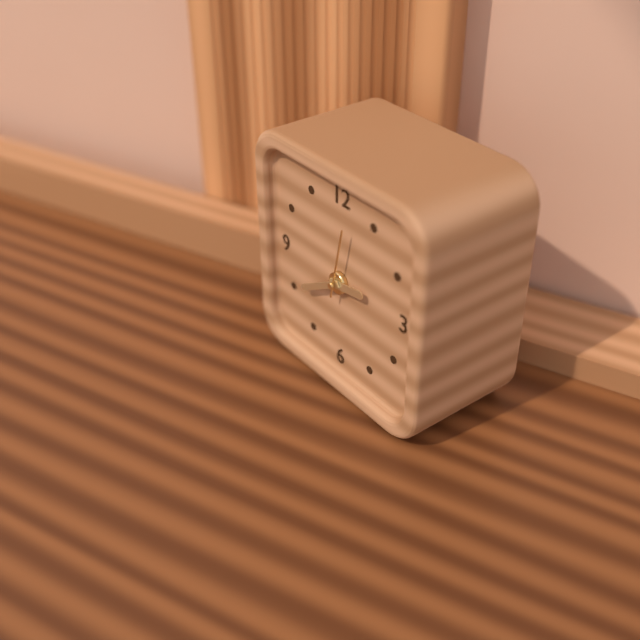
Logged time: 2,40,02
